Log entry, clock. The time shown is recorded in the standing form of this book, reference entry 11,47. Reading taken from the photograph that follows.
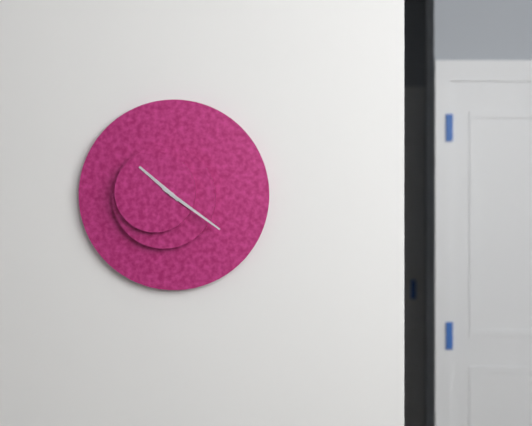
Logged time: 10,21
